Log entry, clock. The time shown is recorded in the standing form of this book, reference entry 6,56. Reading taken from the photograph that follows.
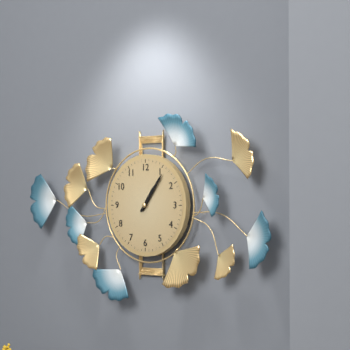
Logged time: 1,06
